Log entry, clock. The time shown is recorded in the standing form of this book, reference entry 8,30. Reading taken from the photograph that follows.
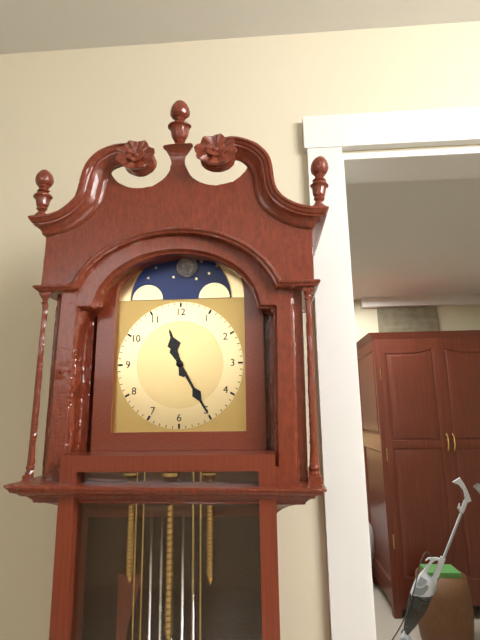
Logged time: 11,25
